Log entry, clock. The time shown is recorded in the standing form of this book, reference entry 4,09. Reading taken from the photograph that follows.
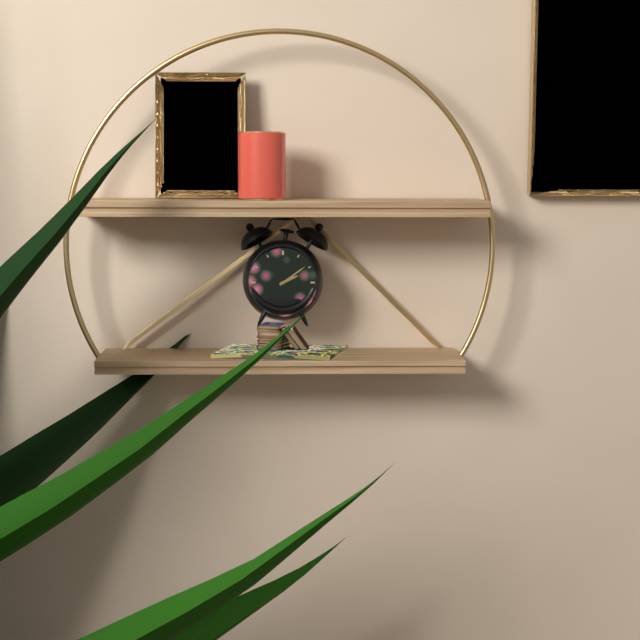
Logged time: 2,09
